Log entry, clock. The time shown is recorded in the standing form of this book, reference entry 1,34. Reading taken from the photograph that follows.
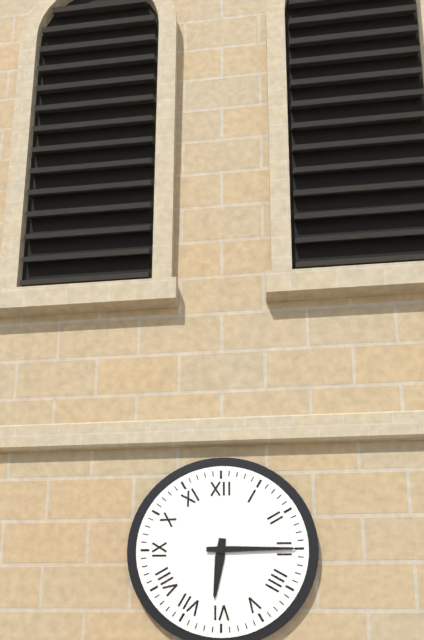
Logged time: 6,15
